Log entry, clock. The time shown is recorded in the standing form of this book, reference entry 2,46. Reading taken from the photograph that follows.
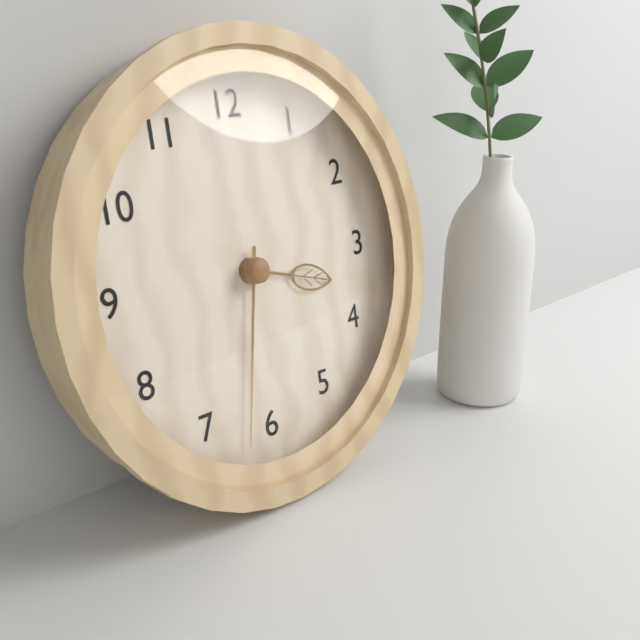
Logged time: 3,32
